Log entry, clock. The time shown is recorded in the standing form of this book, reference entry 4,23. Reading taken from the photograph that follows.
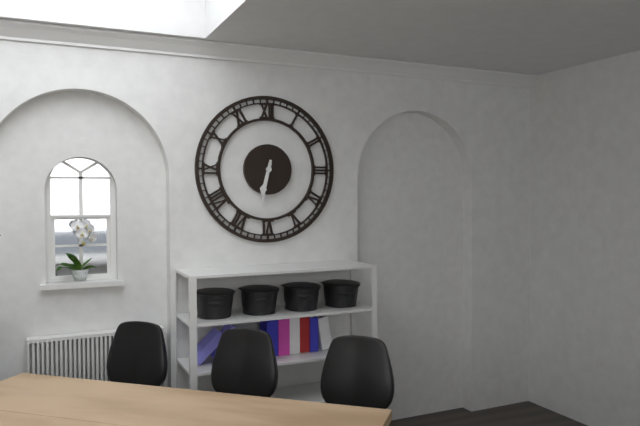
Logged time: 6,32
